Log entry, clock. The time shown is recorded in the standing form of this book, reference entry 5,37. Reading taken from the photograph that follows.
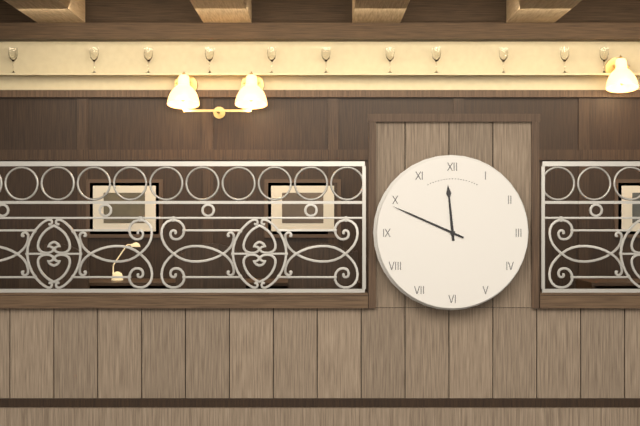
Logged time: 11,49
